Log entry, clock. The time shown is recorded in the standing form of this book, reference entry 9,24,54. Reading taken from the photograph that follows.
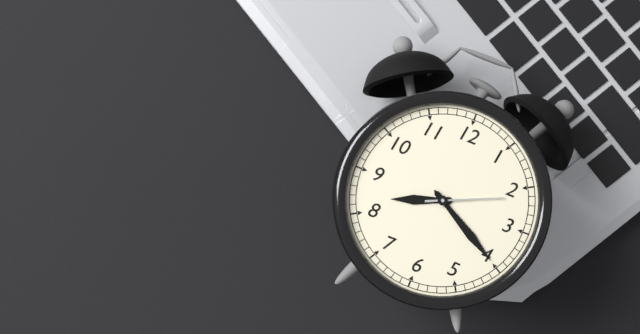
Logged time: 8,20,11
